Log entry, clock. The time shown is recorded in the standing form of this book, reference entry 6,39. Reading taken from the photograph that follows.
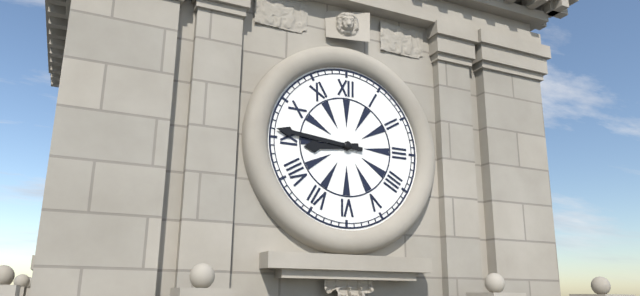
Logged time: 8,46
